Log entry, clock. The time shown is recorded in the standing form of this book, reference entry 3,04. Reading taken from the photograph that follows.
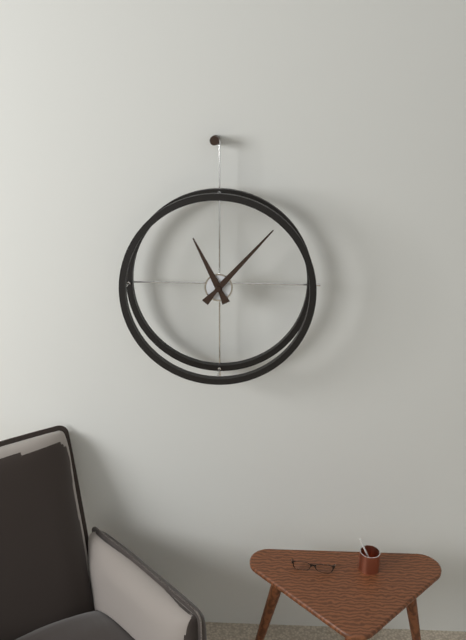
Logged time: 11,07
